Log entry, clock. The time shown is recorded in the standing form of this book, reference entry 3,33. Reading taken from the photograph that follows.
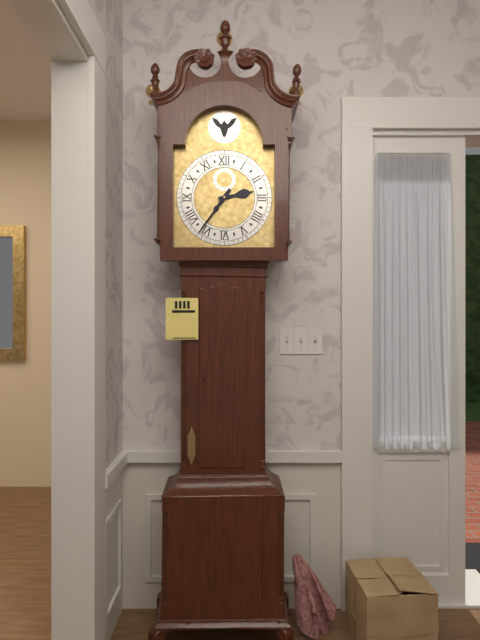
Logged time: 2,36
